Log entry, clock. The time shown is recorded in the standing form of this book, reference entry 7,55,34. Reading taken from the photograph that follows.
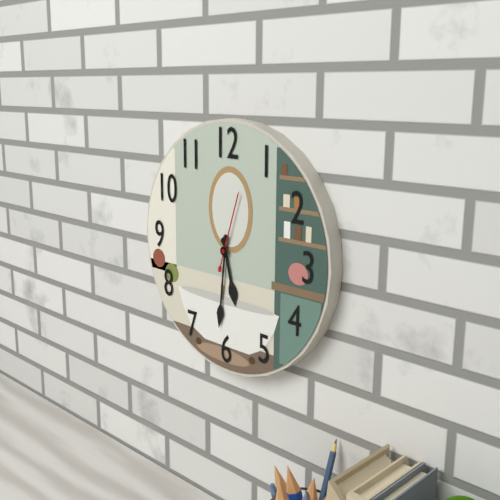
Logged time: 5,31,03
